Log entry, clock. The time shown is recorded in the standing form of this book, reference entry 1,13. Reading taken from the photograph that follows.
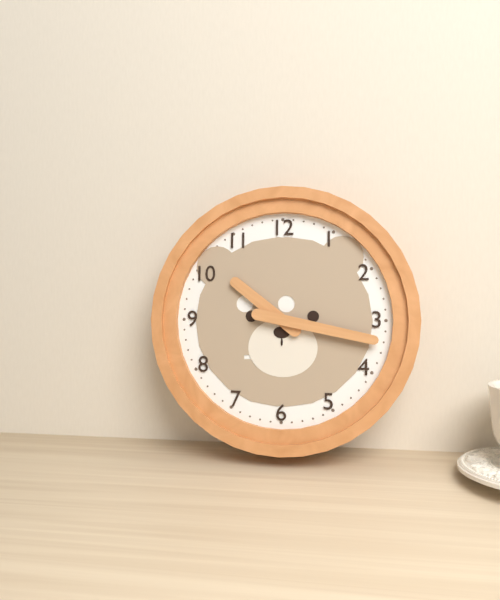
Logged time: 10,17
